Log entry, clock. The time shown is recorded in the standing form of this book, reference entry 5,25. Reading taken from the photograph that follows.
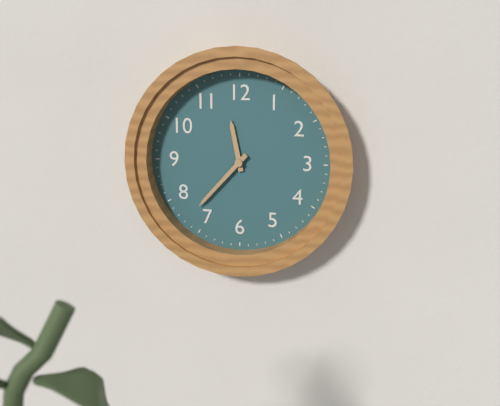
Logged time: 11,37
